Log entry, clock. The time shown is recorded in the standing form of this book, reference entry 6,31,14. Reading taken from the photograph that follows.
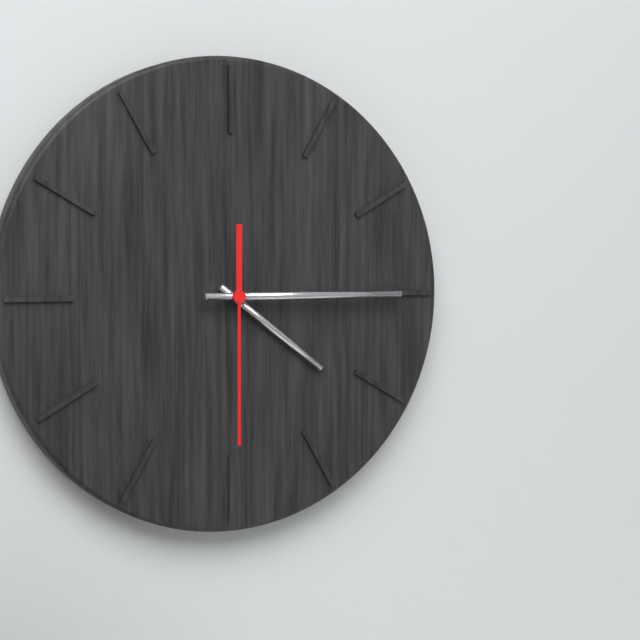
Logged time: 4,15,30
